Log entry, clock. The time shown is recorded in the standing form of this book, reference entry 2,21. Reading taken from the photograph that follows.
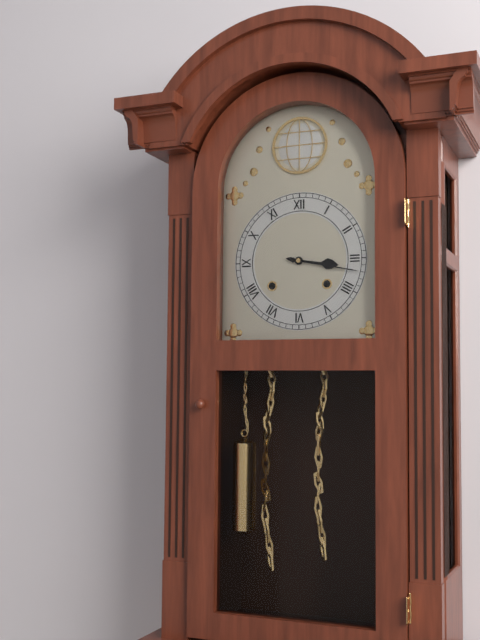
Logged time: 3,17
